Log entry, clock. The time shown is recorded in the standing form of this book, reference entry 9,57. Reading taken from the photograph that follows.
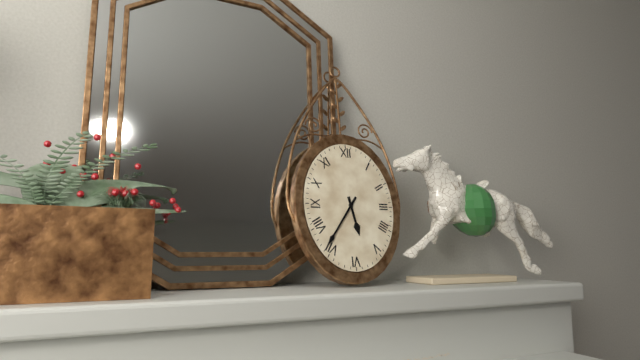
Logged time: 5,36
